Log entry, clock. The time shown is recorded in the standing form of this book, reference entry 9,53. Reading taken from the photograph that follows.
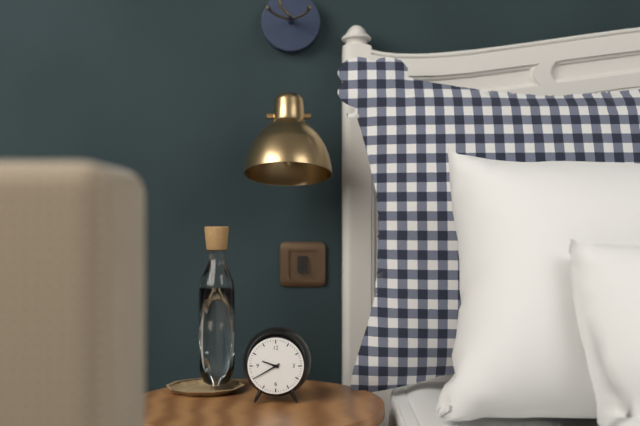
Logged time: 9,40
